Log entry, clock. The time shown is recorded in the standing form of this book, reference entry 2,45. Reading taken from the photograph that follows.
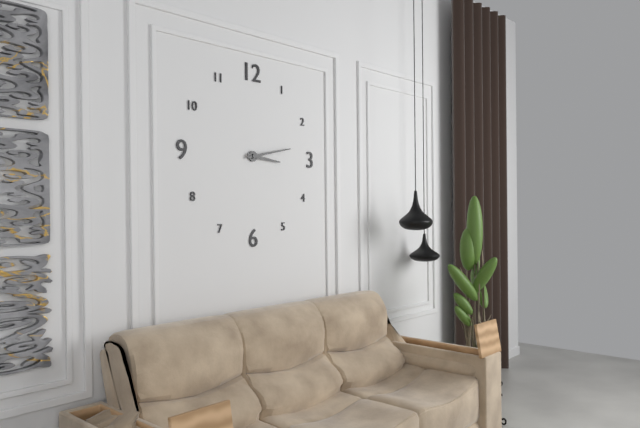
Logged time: 3,13
